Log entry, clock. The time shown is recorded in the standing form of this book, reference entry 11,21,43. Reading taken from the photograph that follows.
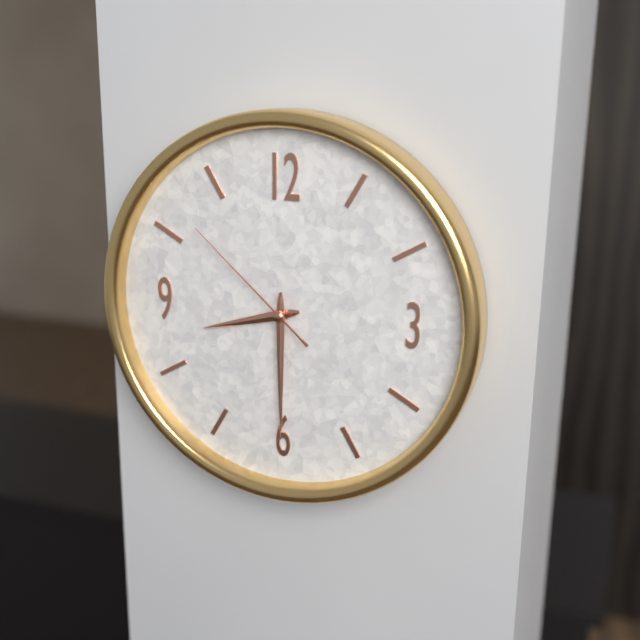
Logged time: 8,30,52
